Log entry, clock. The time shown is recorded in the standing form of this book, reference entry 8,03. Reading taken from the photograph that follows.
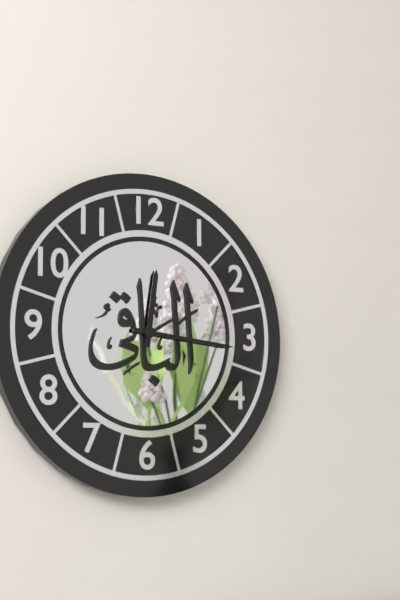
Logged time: 12,16
